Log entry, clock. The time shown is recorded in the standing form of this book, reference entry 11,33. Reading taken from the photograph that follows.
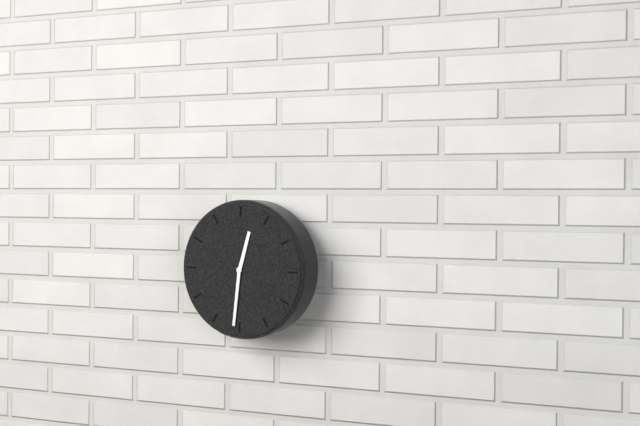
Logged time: 12,31
